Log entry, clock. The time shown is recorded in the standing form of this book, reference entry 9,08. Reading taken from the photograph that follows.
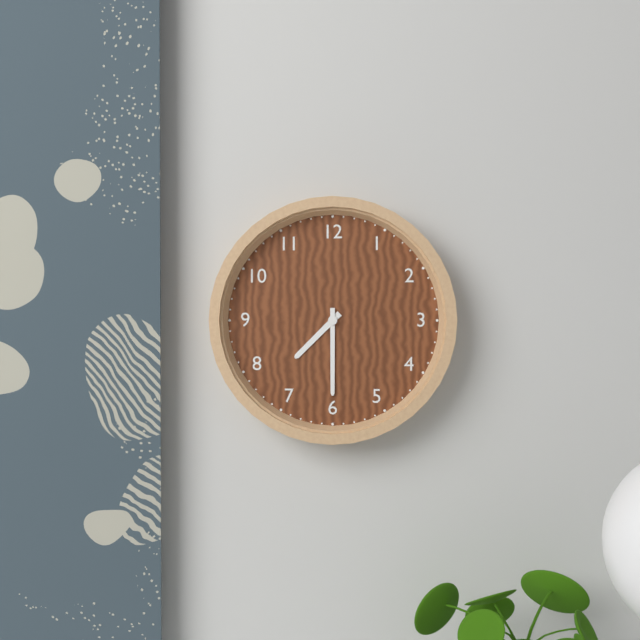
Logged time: 7,30
